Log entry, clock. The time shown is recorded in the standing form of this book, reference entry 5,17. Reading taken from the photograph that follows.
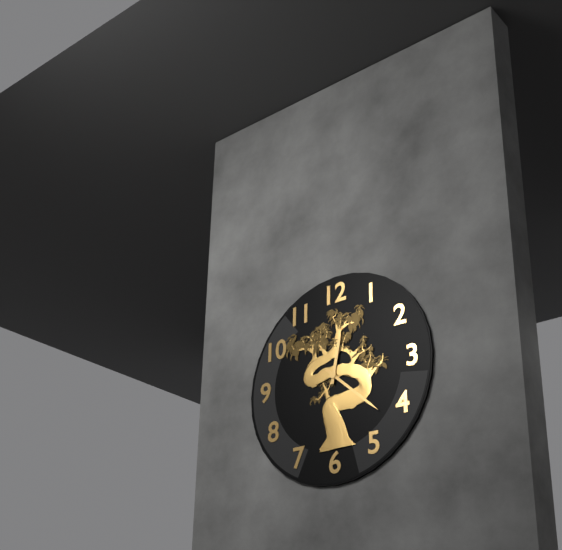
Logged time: 12,22
